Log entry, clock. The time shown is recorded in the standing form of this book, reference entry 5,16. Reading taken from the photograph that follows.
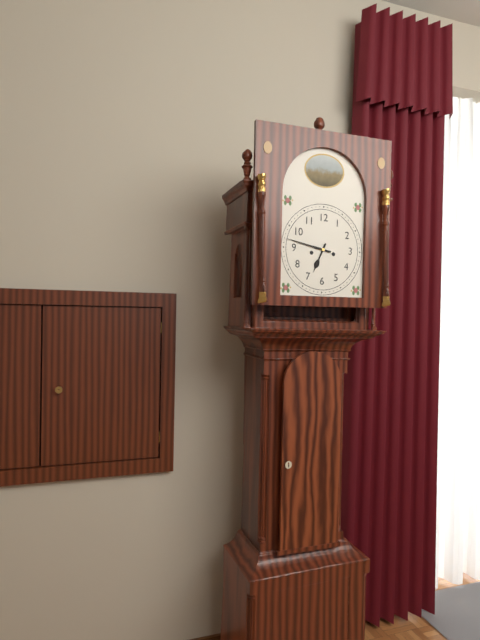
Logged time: 6,47
